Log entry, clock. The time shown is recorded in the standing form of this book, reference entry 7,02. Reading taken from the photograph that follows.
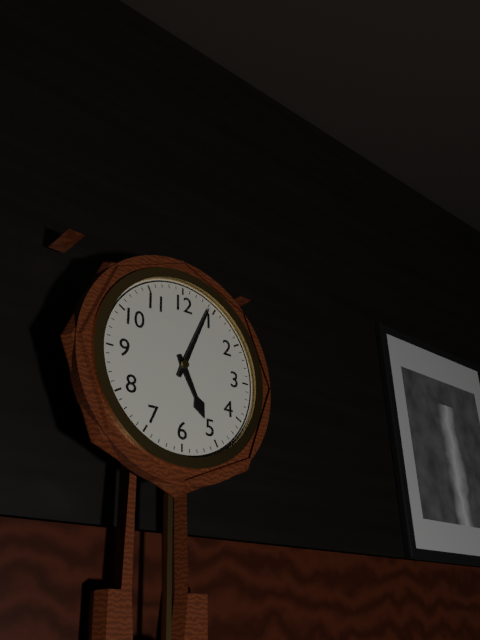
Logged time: 5,04
